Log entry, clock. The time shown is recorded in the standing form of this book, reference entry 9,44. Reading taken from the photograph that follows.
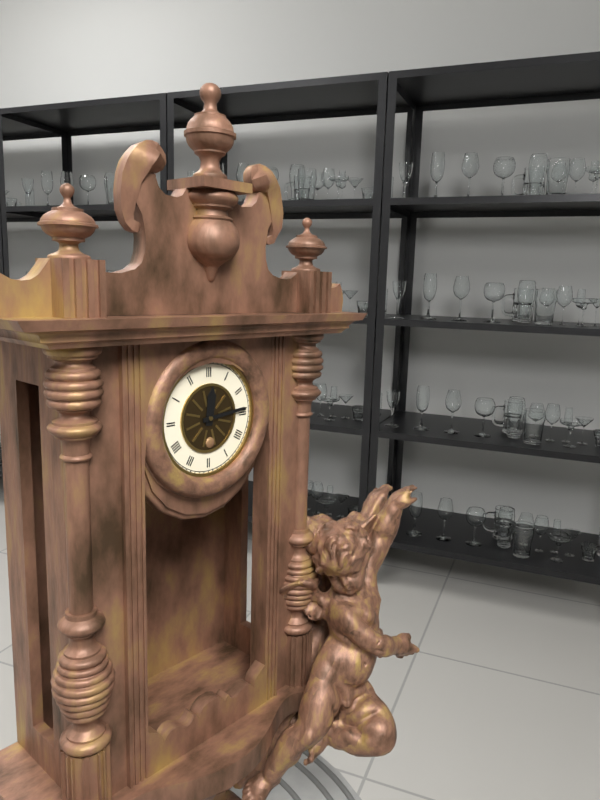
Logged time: 12,14
